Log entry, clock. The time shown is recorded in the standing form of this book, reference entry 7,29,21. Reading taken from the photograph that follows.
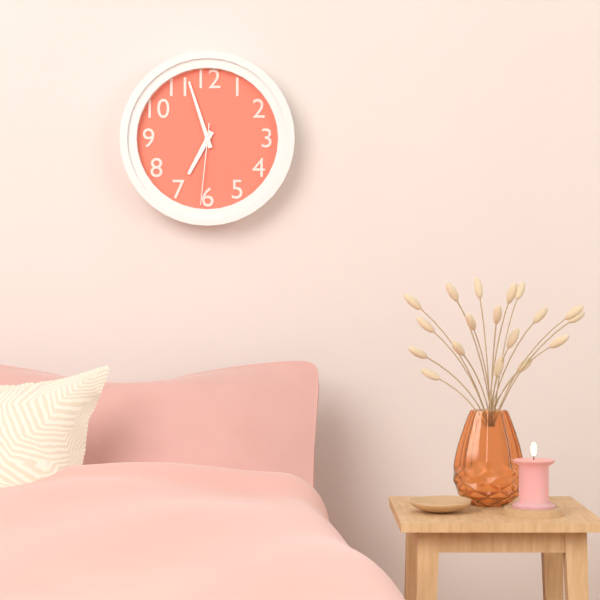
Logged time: 6,57,31
